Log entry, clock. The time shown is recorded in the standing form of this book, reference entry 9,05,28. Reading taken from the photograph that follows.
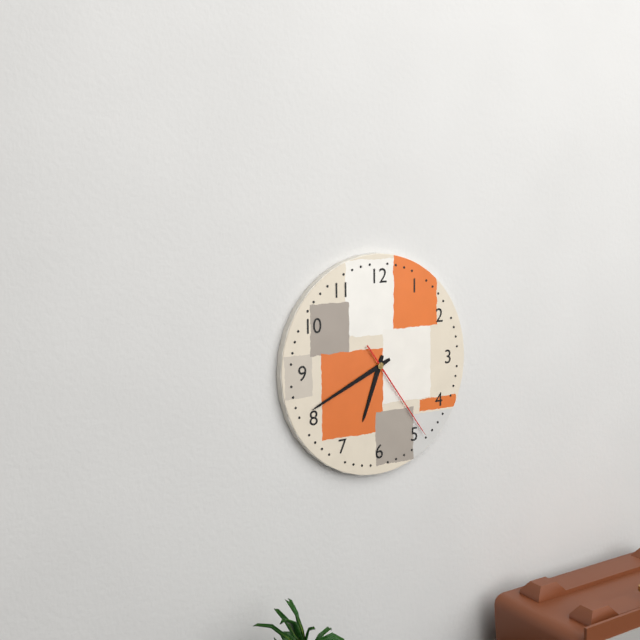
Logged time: 6,41,24
